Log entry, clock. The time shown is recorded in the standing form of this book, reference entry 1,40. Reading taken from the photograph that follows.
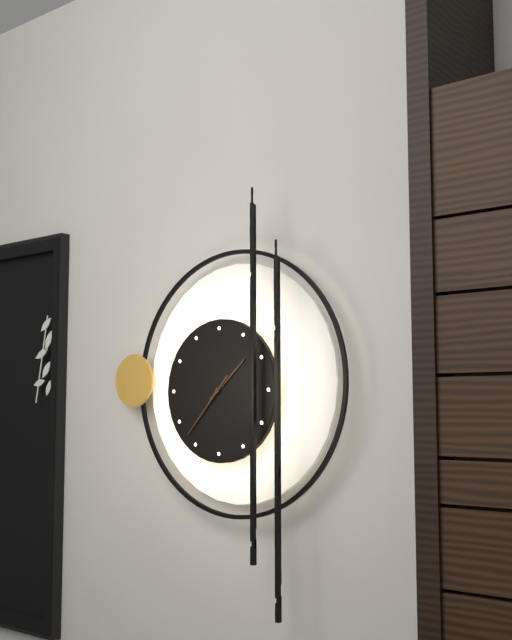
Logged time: 1,37
